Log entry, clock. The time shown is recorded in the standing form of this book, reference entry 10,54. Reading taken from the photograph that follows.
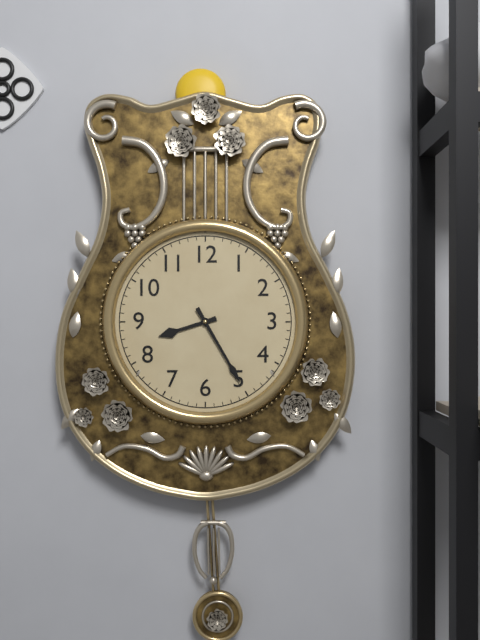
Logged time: 8,25
